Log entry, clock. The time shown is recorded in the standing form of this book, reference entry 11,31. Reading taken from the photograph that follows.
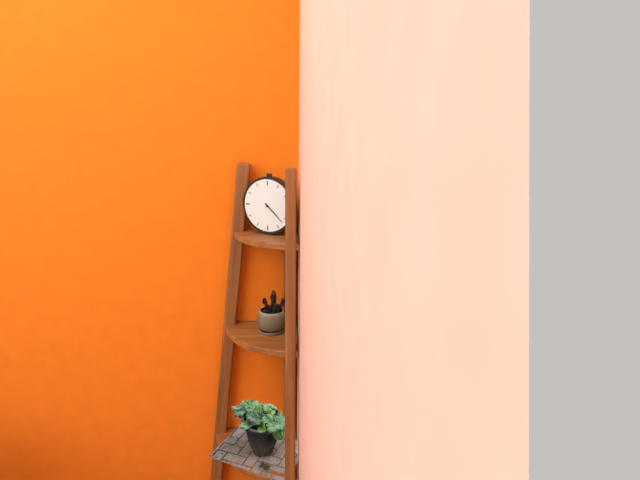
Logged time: 4,22
